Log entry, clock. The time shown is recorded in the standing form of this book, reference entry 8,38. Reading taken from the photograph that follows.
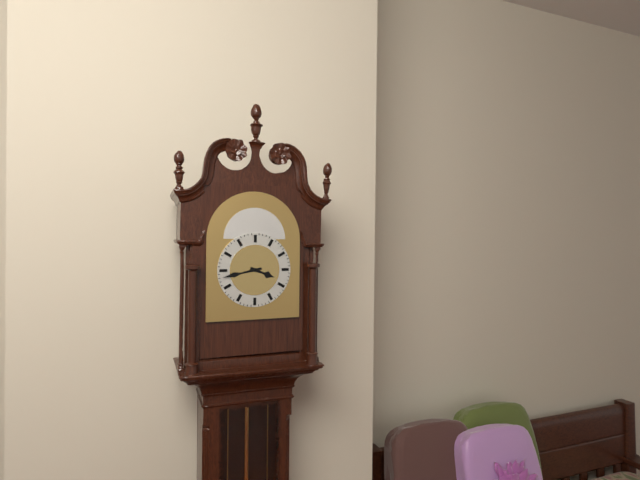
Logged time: 3,43
